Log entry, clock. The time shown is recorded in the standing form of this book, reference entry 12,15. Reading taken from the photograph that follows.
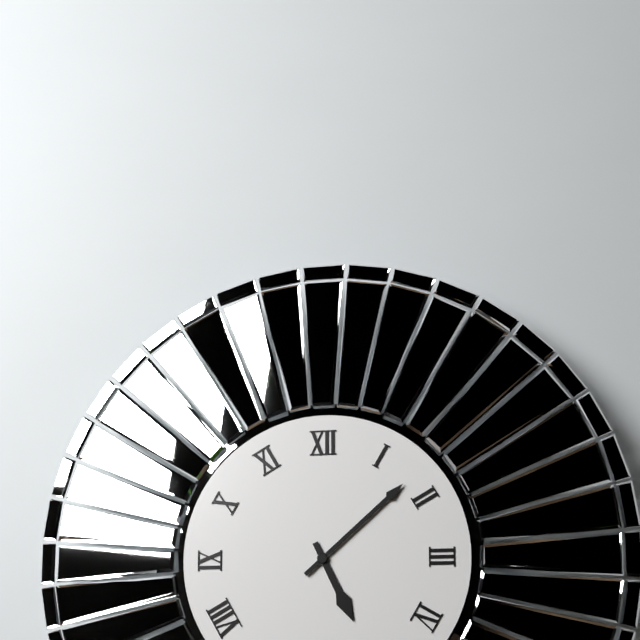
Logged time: 5,08
